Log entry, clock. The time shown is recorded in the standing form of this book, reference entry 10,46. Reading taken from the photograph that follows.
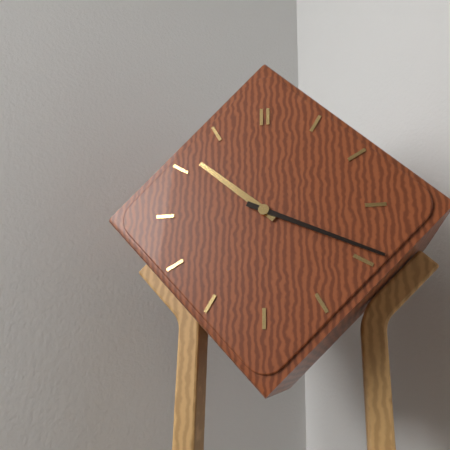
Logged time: 10,19
